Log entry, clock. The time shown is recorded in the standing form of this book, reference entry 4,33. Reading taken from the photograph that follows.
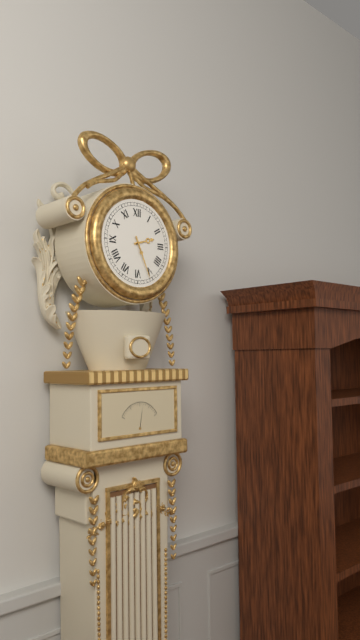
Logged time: 2,26
